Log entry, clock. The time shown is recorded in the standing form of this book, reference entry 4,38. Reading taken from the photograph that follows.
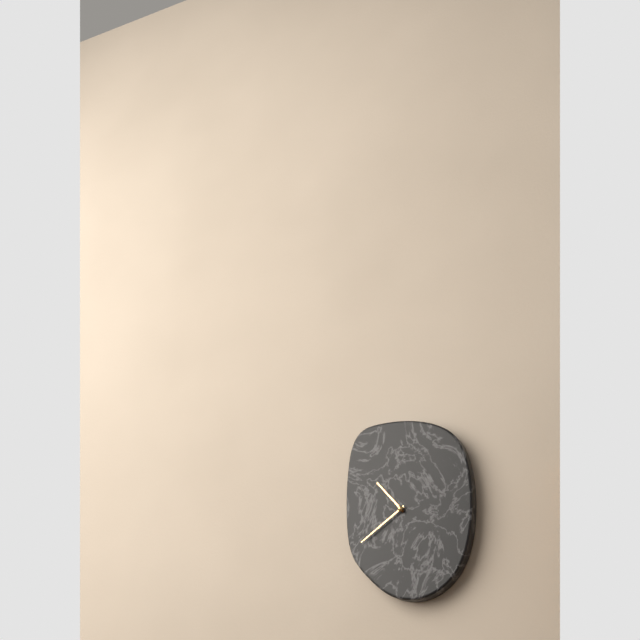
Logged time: 10,39
